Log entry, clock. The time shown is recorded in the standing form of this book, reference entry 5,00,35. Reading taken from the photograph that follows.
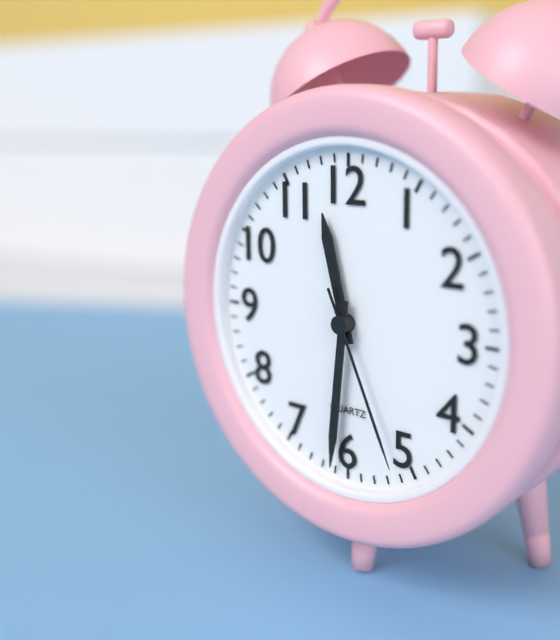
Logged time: 11,31,26
